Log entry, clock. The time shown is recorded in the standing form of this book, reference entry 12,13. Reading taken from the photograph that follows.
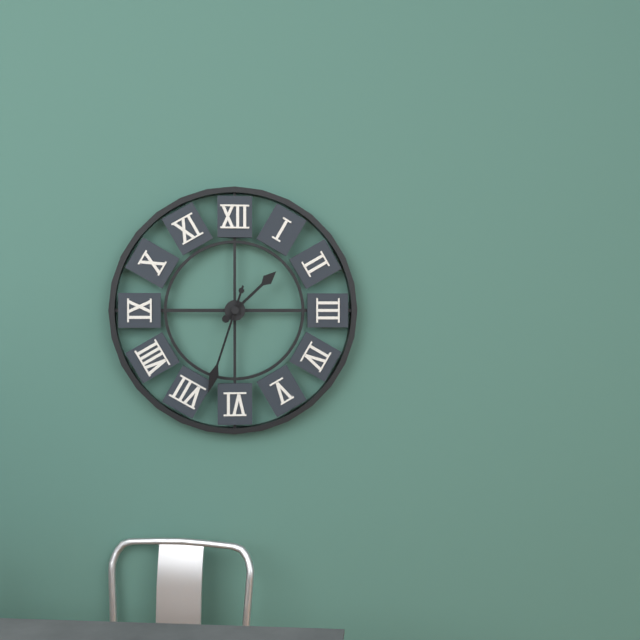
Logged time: 1,33
